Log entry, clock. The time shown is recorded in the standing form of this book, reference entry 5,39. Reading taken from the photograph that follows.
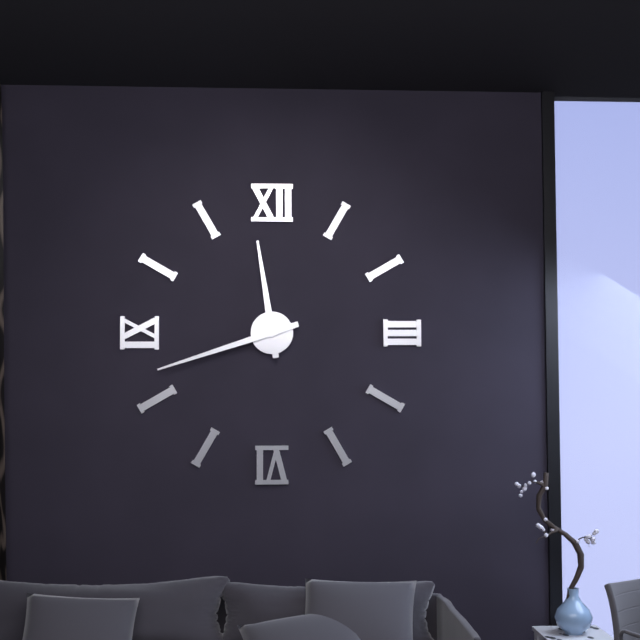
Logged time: 11,42
